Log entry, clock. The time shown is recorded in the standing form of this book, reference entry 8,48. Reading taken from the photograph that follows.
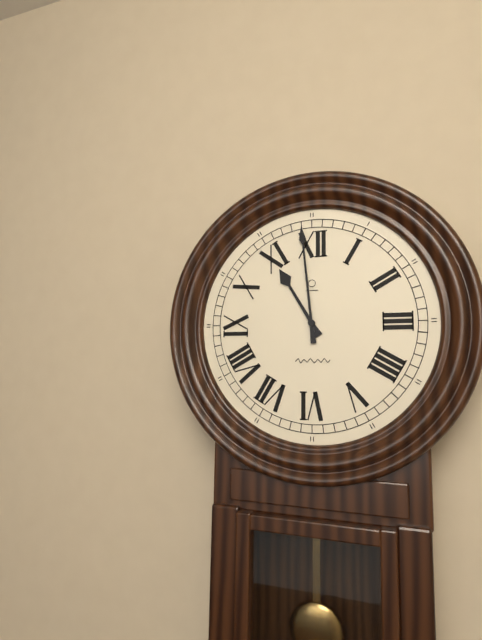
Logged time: 10,59
